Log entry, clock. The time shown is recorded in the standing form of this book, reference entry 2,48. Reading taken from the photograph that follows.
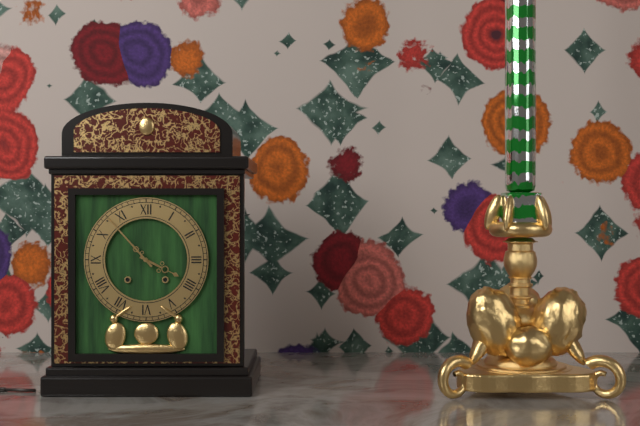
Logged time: 3,53
